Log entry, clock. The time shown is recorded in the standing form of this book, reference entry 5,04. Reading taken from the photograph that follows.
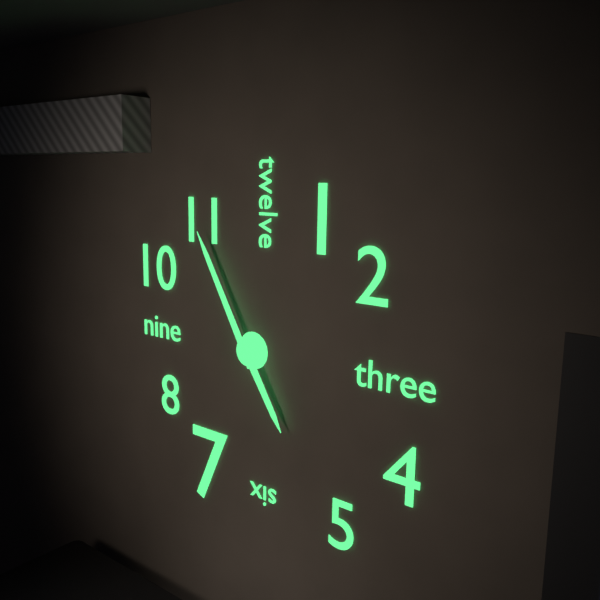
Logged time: 4,55
